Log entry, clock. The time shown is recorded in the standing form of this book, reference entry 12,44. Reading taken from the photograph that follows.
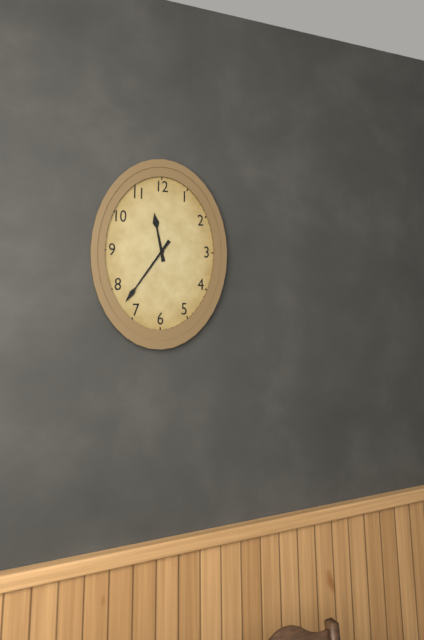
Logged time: 11,36
